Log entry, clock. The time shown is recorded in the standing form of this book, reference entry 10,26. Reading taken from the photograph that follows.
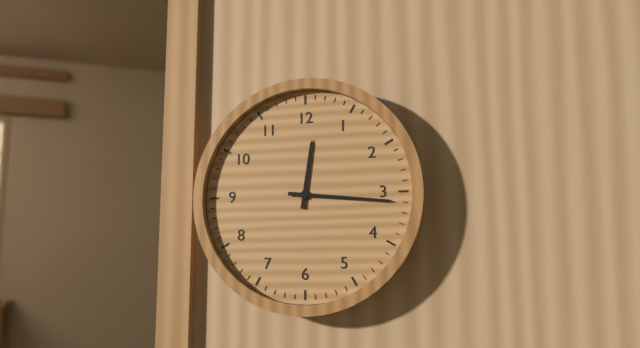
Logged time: 12,16
